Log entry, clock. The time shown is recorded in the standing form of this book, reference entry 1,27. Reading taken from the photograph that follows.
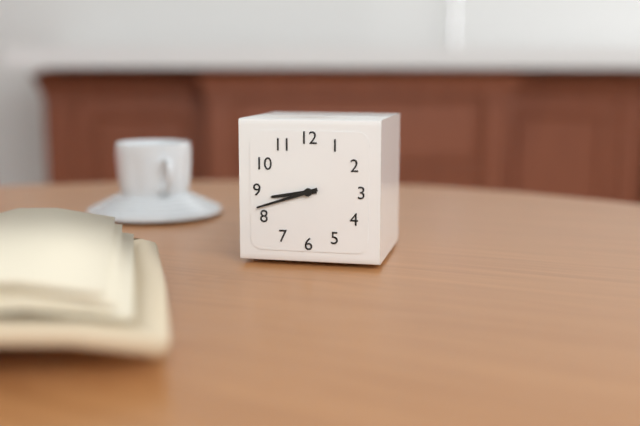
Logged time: 8,42
